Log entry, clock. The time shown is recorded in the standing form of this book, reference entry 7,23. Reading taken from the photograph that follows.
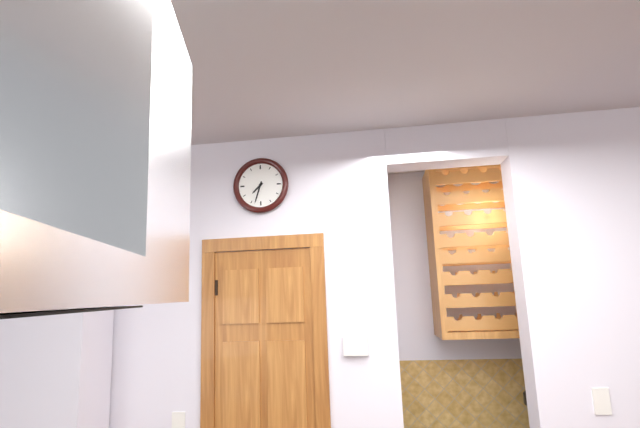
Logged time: 7,33
